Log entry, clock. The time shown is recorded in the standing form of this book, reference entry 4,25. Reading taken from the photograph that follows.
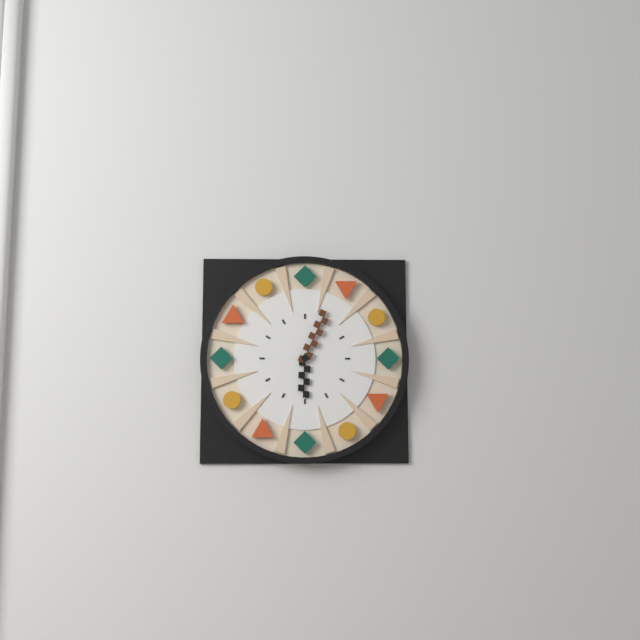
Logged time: 6,04
